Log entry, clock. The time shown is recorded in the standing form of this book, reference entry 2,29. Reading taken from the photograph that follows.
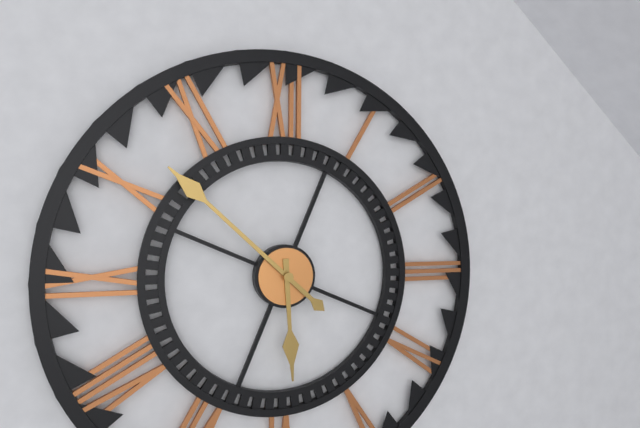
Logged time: 5,52
